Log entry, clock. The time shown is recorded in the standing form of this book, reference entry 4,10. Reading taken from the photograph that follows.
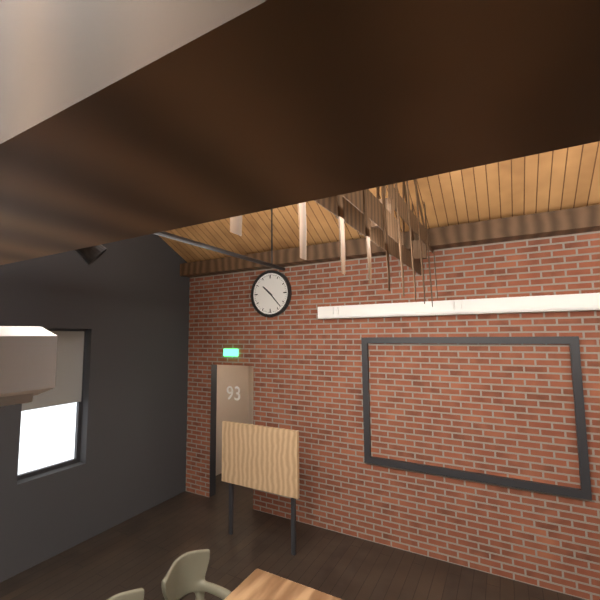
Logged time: 10,23
